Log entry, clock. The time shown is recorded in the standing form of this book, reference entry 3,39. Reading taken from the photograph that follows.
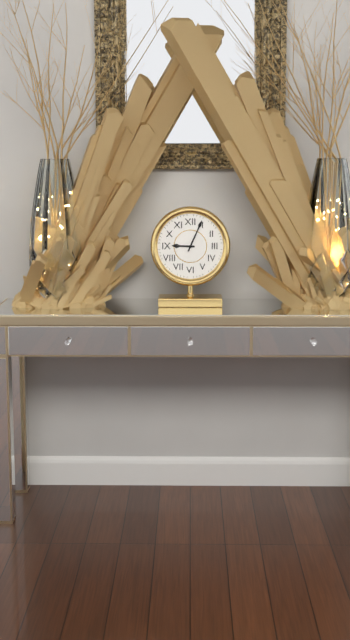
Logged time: 9,04
